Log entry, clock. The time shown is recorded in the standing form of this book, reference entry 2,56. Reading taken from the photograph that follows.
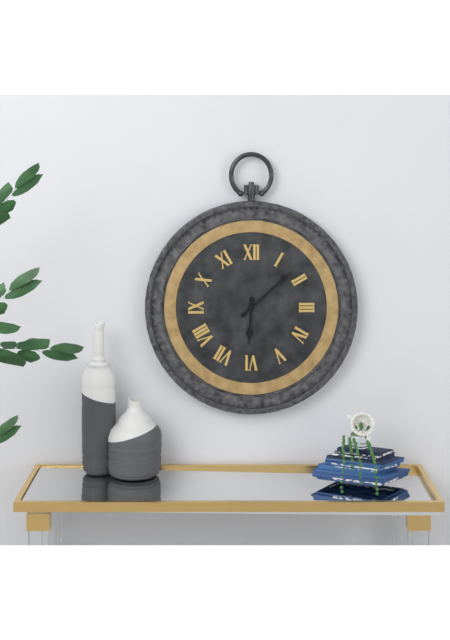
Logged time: 6,08
